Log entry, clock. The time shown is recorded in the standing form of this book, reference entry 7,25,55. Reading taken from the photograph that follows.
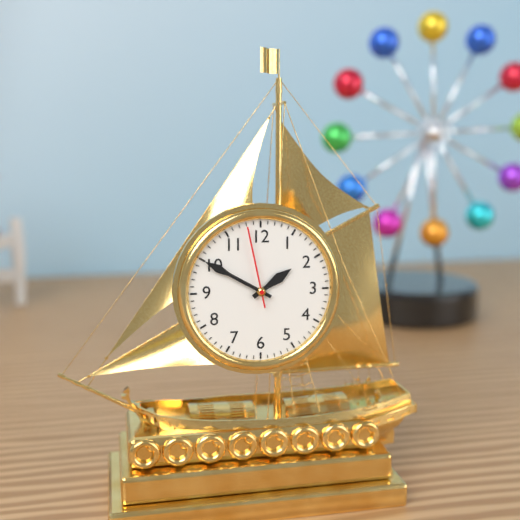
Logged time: 1,50,58
